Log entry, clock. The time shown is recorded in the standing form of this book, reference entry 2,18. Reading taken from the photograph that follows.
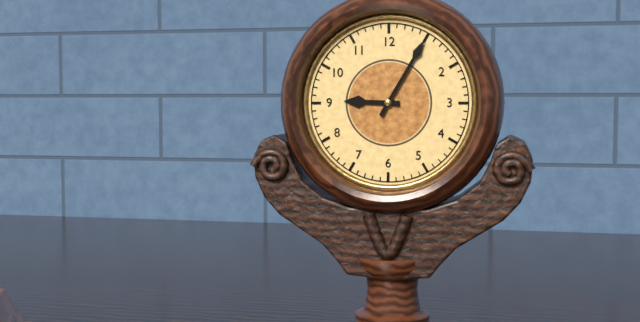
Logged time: 9,05
